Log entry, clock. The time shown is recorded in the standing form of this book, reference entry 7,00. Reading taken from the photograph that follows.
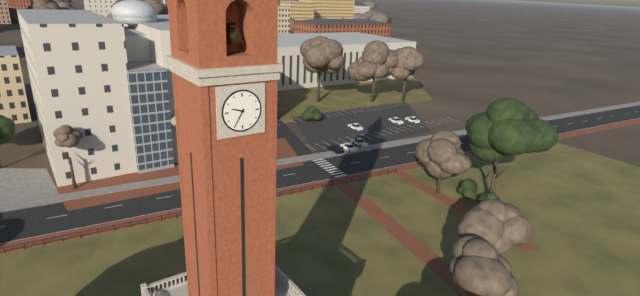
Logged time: 9,35
